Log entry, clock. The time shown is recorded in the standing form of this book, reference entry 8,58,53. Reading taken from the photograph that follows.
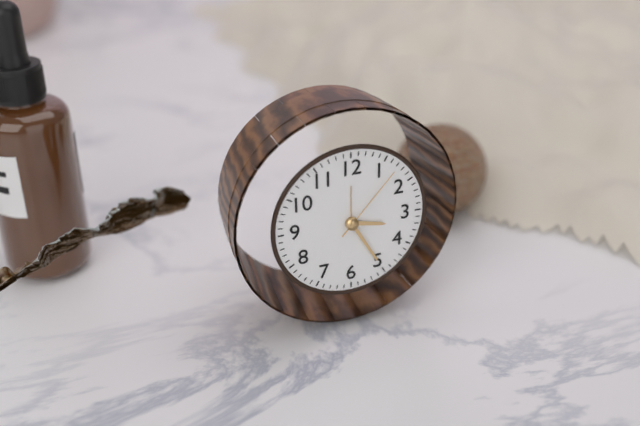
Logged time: 3,25,07
